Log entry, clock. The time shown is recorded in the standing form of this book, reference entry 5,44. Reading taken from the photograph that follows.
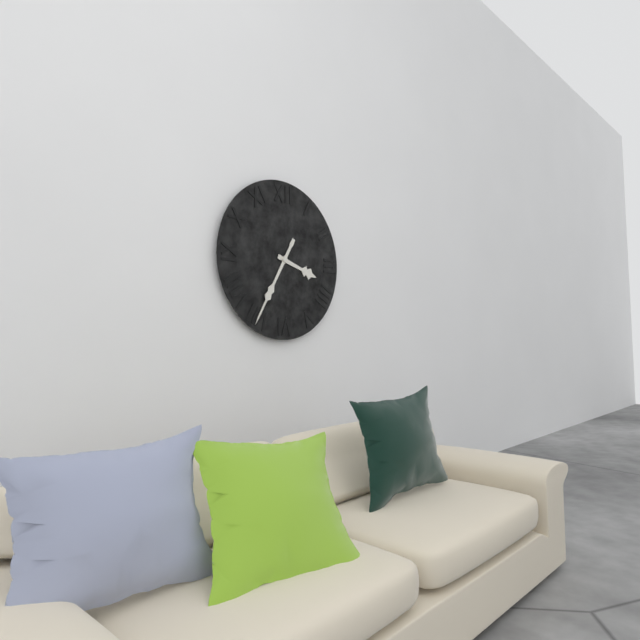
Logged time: 3,35
